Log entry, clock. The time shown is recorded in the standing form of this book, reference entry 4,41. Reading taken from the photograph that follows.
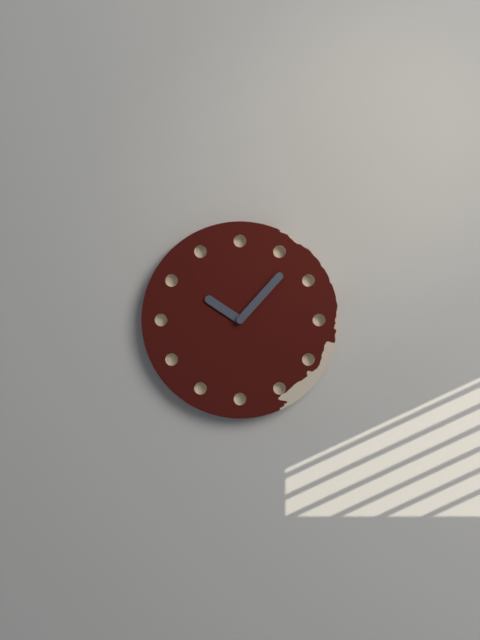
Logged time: 10,07
